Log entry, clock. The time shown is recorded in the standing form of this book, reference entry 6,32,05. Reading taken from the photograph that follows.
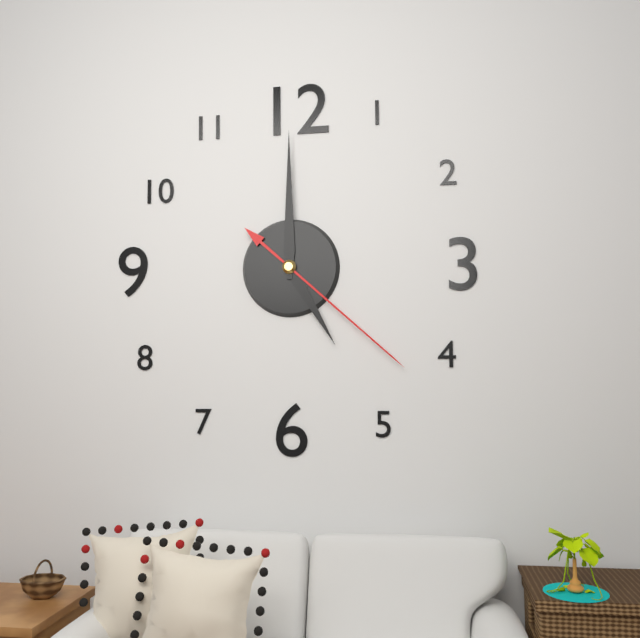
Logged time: 5,00,22
